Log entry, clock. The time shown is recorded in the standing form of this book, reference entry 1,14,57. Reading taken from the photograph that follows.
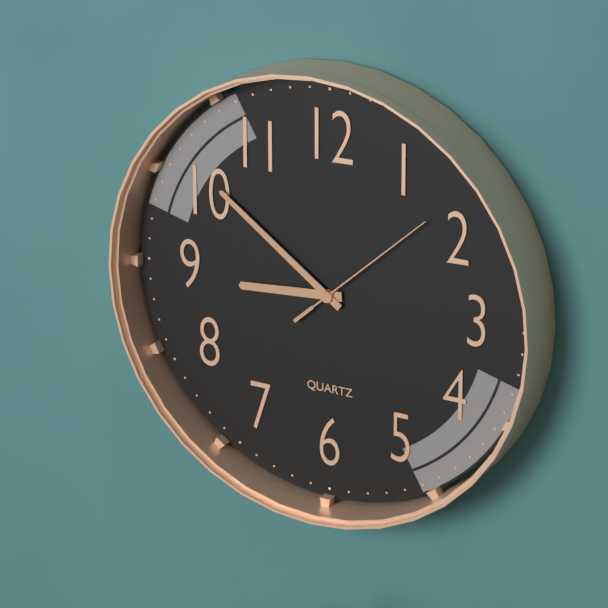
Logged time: 8,51,08
